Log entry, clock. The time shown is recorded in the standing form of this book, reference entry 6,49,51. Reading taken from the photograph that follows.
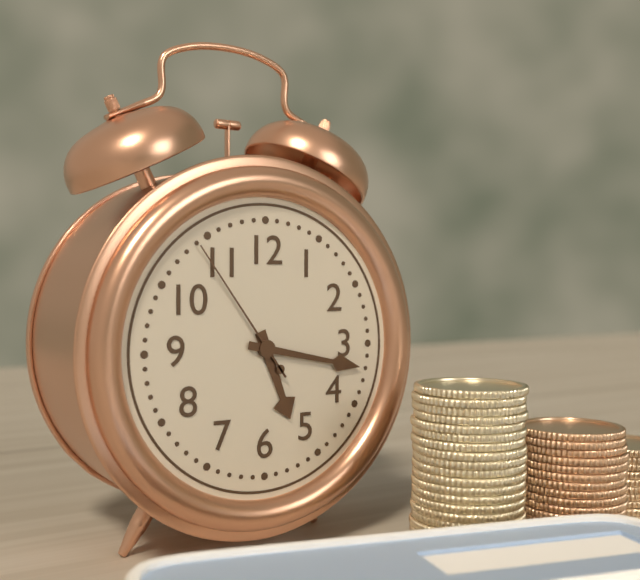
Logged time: 5,17,54
